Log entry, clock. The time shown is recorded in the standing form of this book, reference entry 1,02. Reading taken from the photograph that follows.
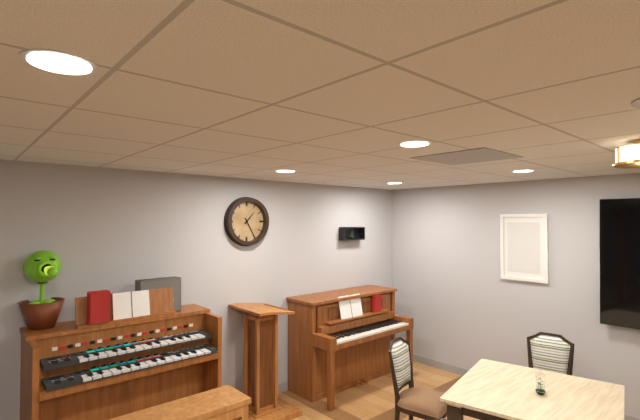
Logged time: 1,25
